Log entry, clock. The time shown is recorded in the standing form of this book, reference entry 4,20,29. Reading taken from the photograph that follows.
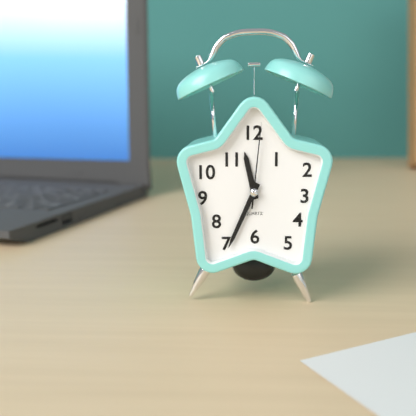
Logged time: 11,34,01
